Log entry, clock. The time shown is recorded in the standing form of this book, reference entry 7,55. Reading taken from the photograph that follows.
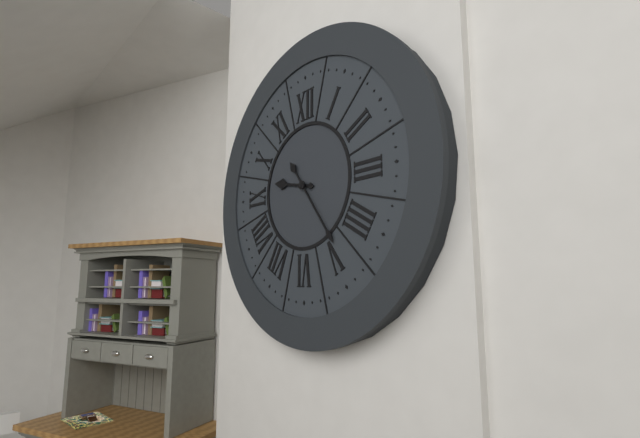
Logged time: 9,24
